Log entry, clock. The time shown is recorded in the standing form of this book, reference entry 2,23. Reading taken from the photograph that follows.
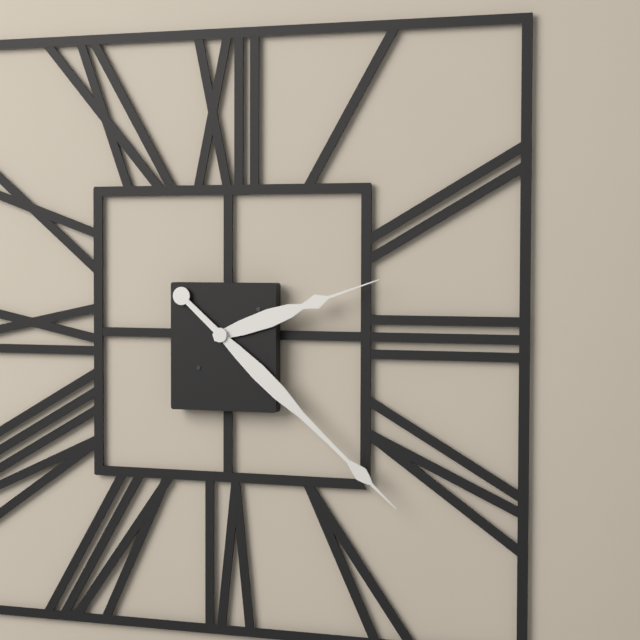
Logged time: 2,22
